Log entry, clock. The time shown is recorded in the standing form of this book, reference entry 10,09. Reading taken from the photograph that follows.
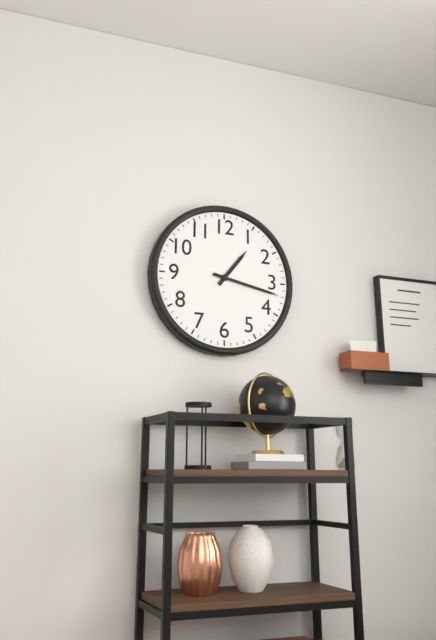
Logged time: 1,17
